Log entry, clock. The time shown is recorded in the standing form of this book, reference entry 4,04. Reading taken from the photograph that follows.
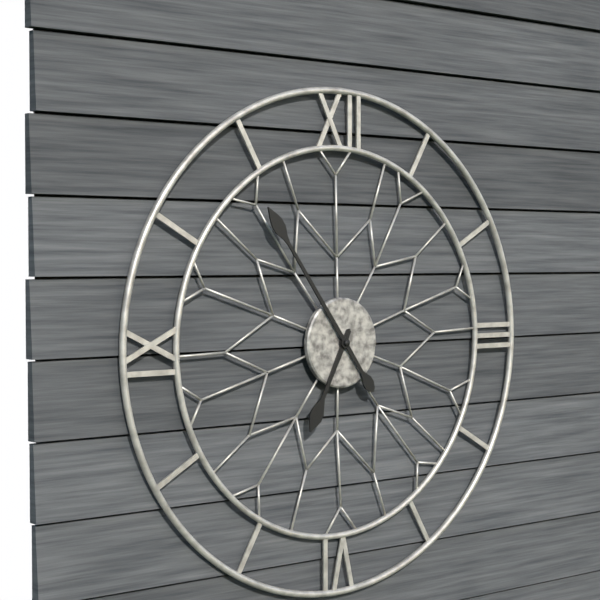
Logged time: 6,54
